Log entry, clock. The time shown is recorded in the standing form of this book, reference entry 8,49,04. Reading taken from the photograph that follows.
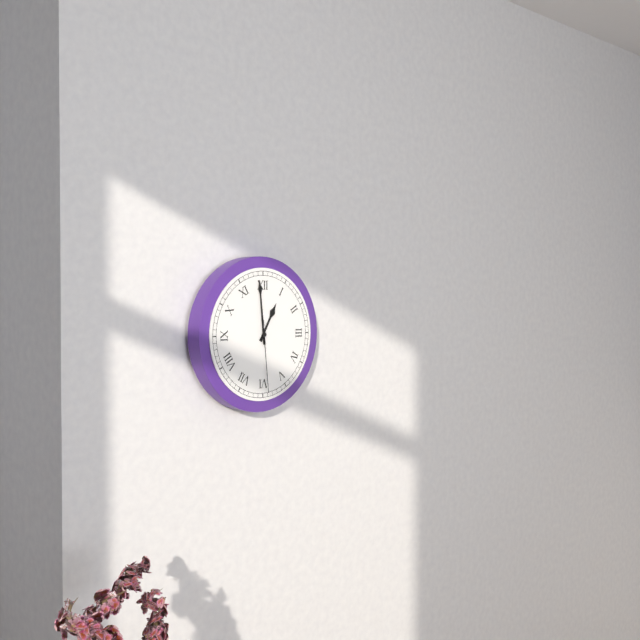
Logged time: 12,59,29
